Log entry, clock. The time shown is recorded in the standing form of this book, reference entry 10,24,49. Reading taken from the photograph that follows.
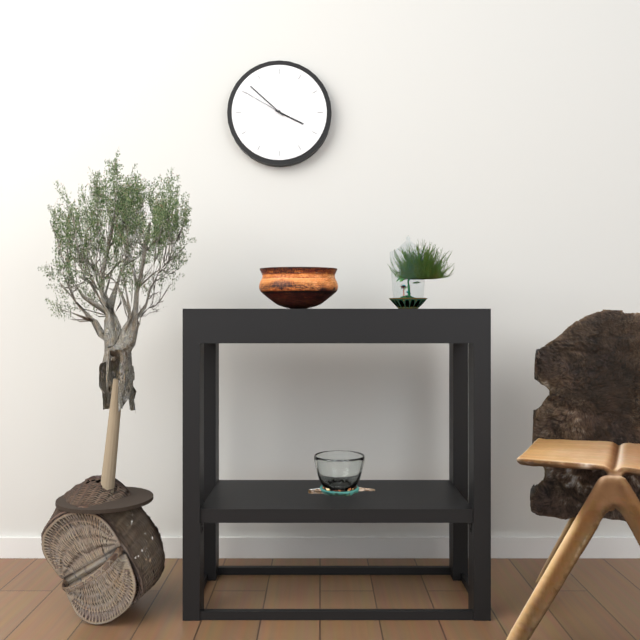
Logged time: 3,52,50
